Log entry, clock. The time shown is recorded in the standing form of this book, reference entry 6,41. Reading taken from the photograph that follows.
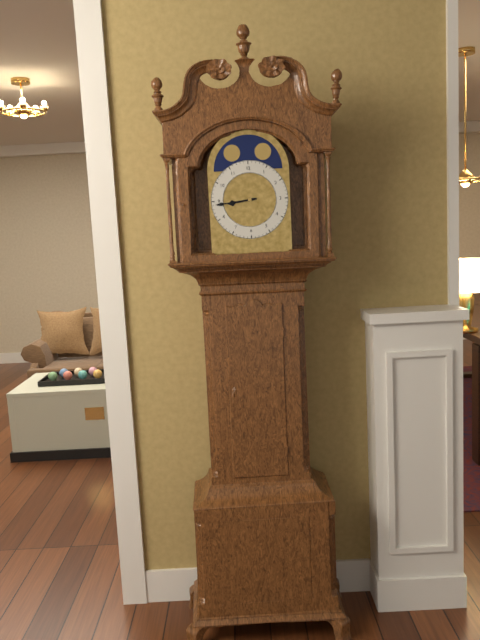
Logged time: 8,44
